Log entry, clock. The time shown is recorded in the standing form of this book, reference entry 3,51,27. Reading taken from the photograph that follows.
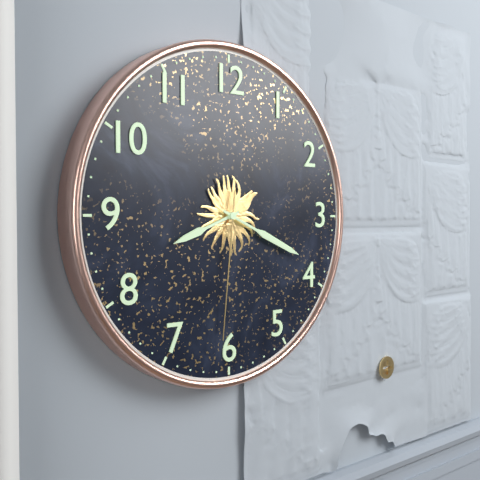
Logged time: 8,19,31
